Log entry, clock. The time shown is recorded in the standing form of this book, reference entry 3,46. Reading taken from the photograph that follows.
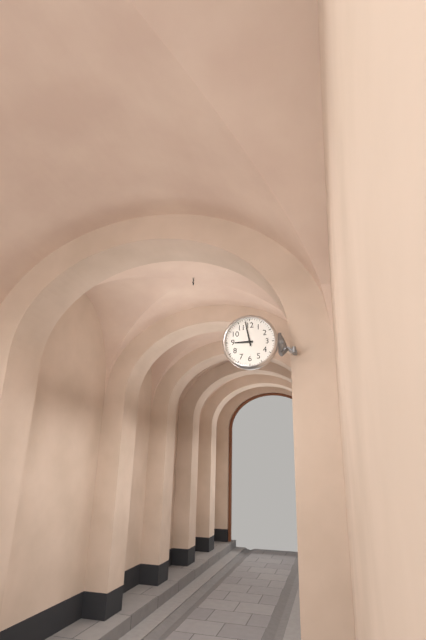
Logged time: 8,58
